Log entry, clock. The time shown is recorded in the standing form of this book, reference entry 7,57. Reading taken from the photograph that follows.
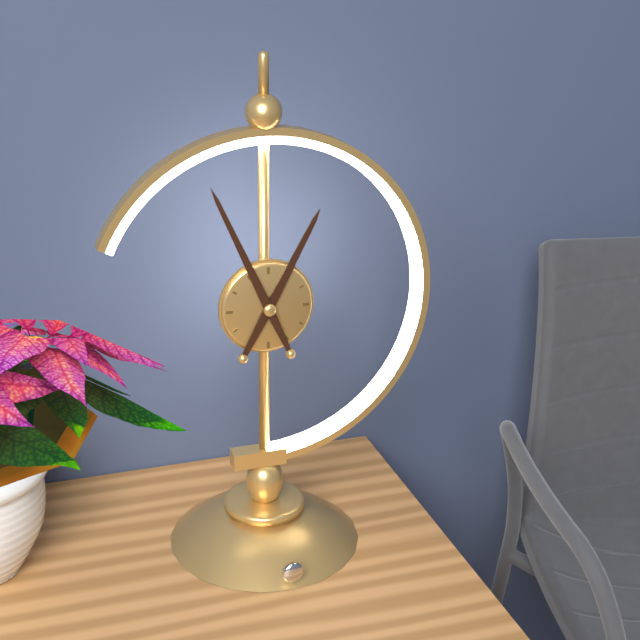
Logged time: 12,56
